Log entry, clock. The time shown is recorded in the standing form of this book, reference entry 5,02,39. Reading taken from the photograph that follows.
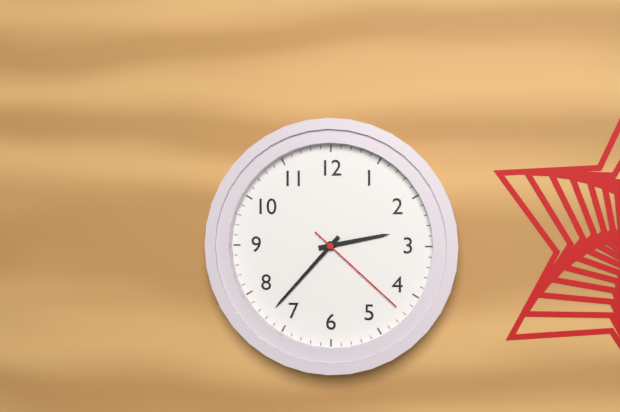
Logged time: 2,37,22
